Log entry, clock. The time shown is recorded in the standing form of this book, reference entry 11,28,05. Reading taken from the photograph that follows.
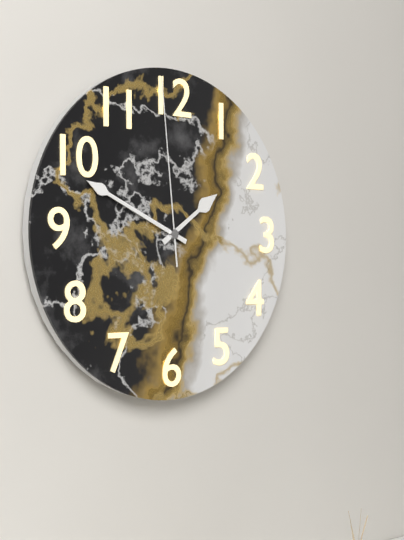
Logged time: 1,49,59
